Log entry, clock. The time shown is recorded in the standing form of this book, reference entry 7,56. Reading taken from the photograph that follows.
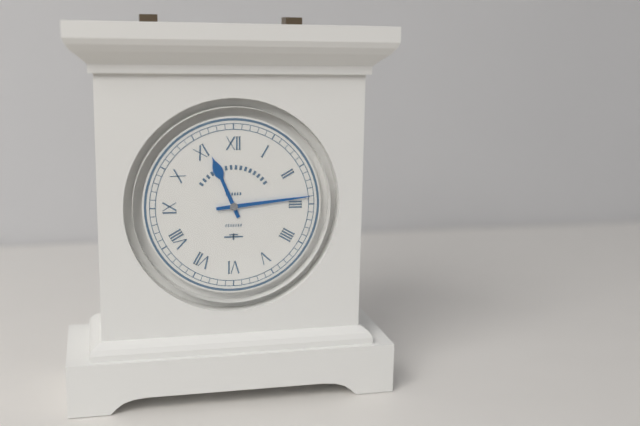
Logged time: 11,14
